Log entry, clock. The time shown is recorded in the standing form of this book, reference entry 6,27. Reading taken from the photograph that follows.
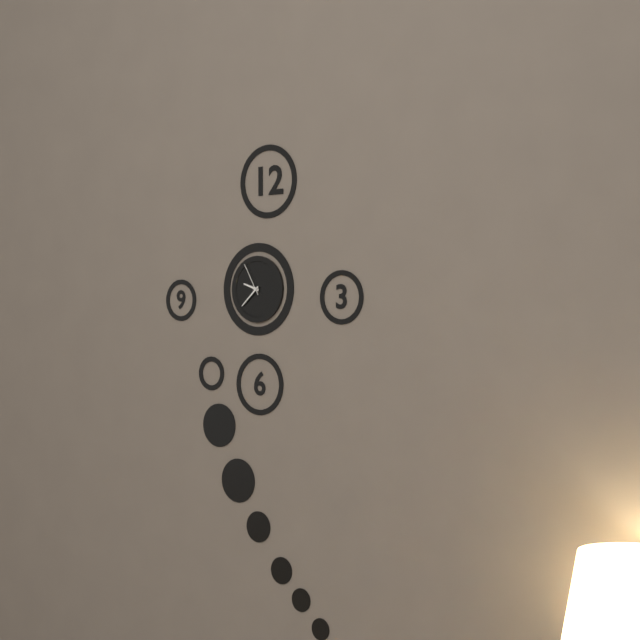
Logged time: 9,38
